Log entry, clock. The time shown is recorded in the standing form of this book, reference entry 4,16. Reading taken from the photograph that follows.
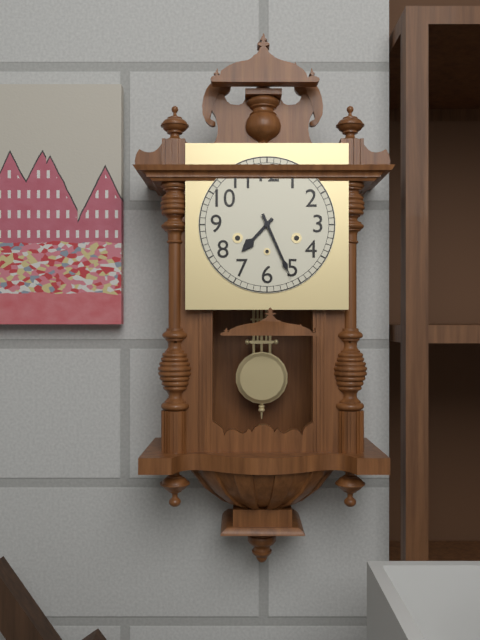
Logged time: 7,26
